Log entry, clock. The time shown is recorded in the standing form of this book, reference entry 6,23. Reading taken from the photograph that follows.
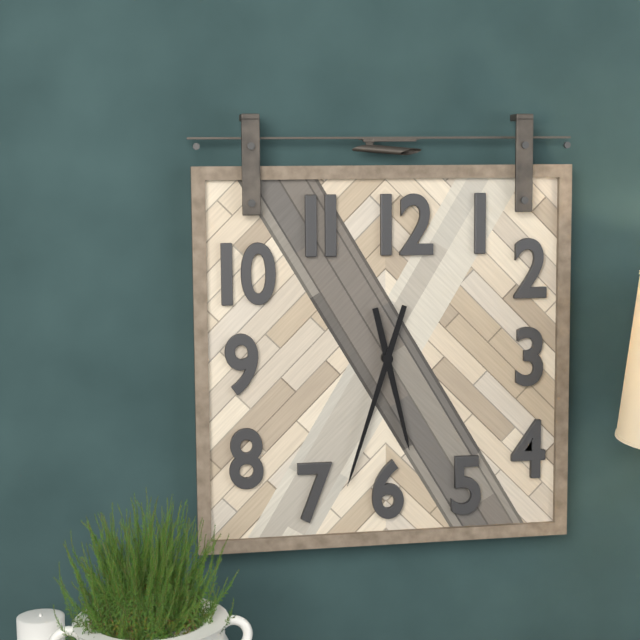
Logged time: 5,33
